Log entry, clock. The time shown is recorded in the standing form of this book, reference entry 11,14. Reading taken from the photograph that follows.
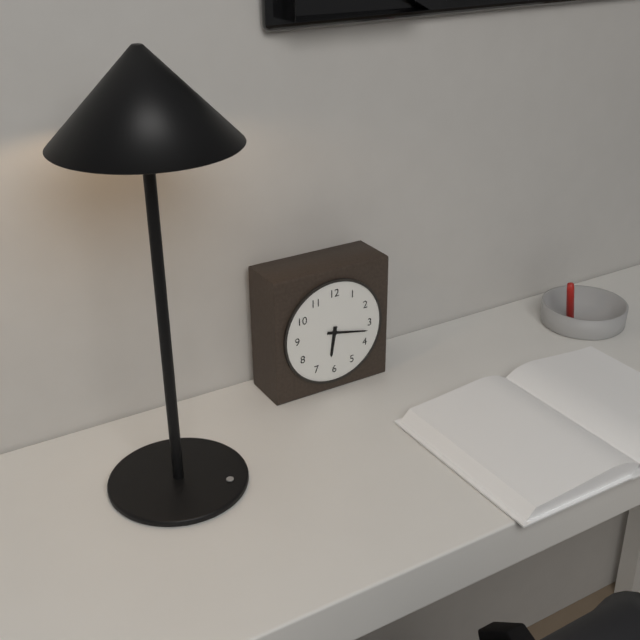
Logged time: 6,17
